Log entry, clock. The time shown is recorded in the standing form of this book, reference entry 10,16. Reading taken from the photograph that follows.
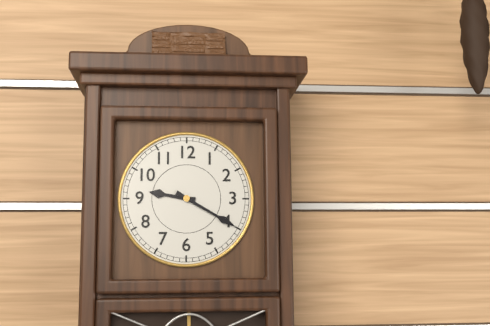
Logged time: 9,20
